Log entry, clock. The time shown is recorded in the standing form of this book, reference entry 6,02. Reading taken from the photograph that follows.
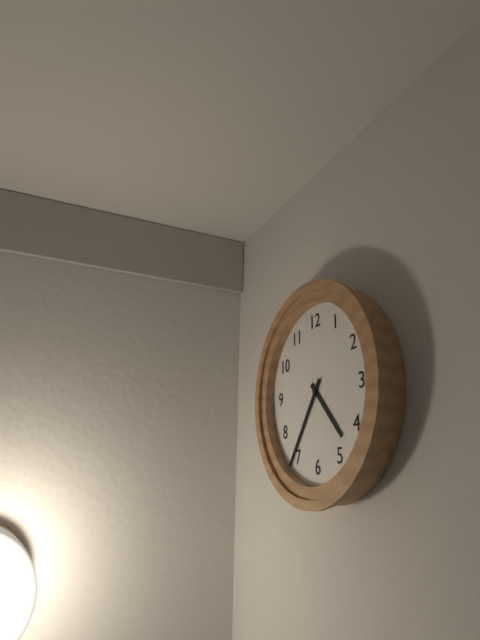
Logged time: 4,36
